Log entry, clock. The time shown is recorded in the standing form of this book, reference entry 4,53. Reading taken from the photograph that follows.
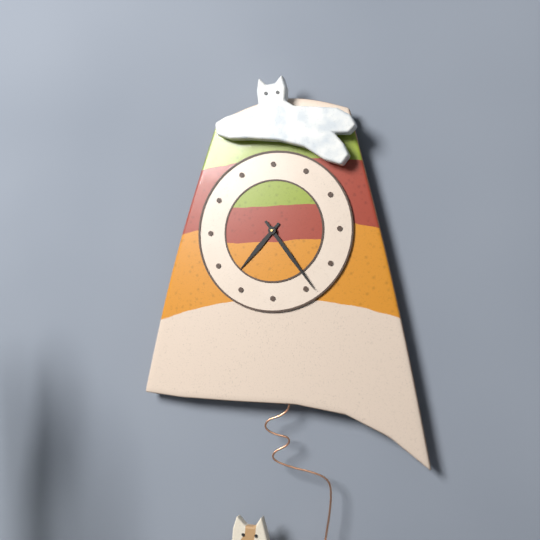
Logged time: 7,24
